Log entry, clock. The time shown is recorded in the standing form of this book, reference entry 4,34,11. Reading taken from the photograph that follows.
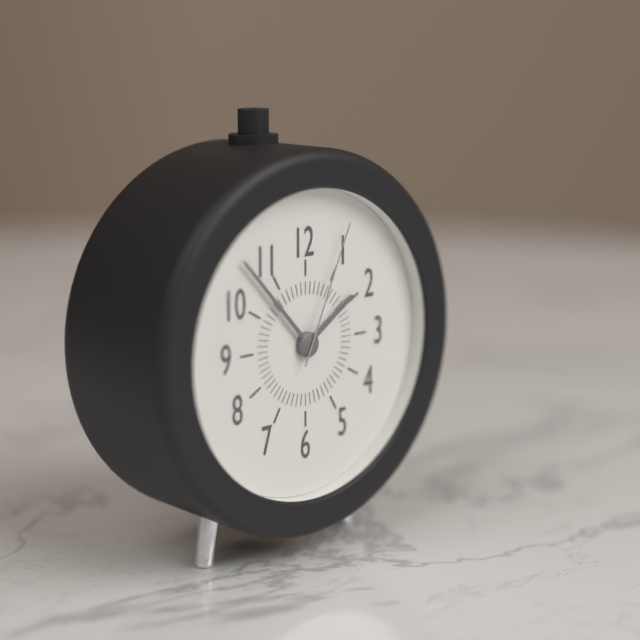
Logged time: 1,53,04
